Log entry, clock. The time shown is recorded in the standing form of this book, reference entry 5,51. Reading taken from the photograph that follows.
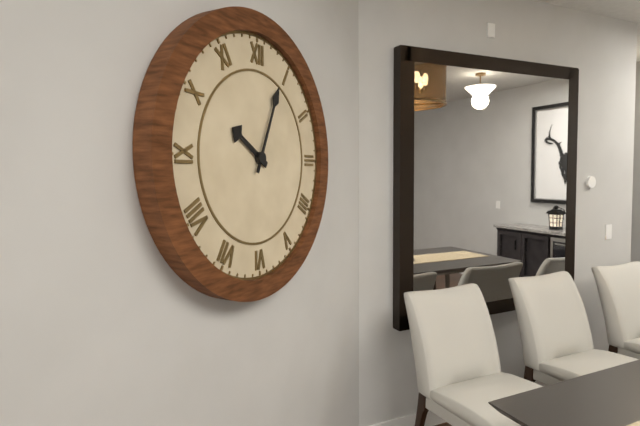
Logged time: 10,04
